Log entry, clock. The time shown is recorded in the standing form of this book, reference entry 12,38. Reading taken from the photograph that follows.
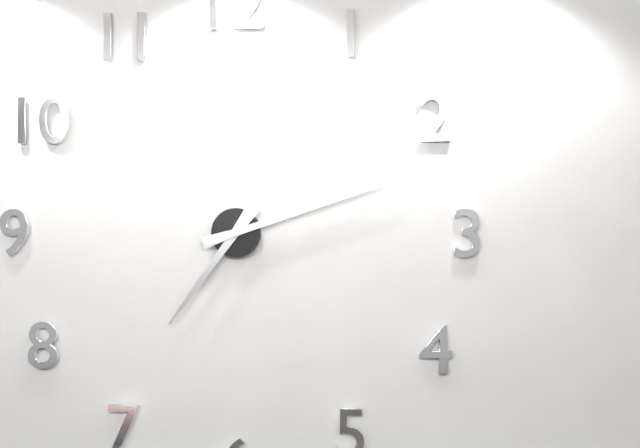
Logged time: 7,12
